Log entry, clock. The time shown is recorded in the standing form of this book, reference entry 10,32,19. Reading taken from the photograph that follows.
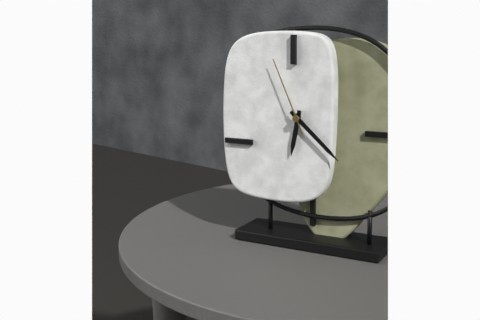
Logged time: 6,22,56
